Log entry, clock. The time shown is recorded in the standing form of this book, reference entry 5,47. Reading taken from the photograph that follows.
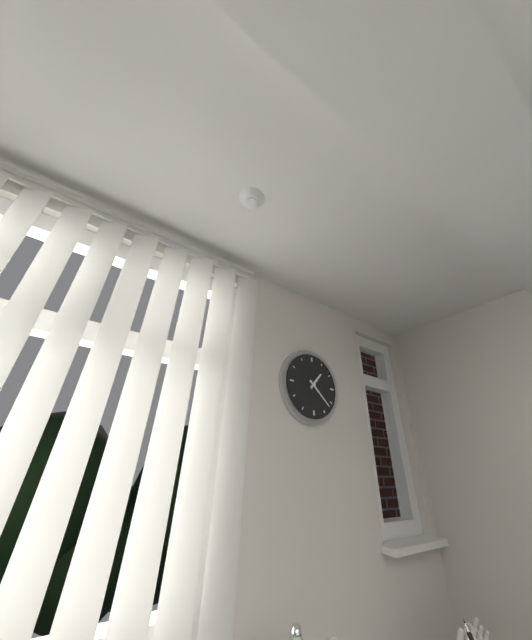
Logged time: 1,22
